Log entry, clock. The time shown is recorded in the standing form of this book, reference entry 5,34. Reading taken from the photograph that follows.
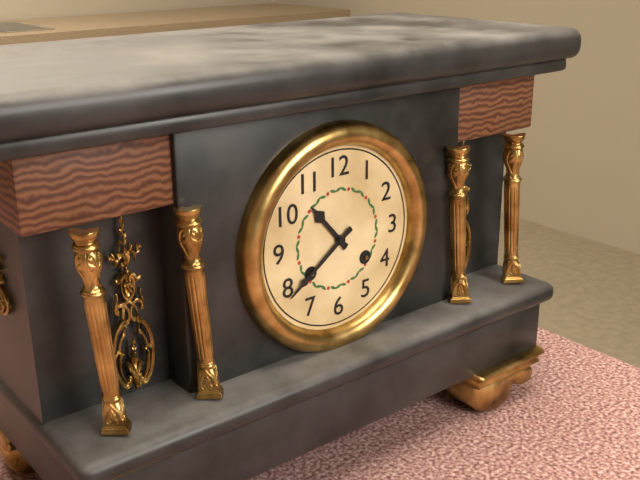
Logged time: 10,39
